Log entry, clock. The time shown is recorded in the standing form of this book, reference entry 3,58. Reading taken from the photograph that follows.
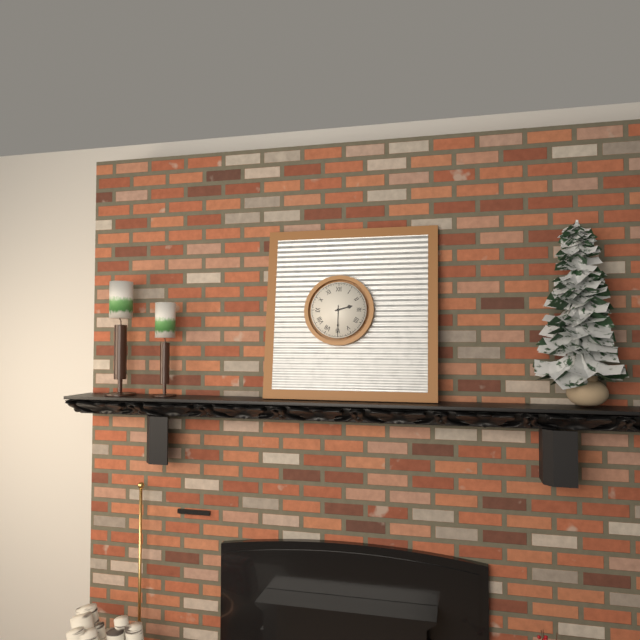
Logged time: 2,30
